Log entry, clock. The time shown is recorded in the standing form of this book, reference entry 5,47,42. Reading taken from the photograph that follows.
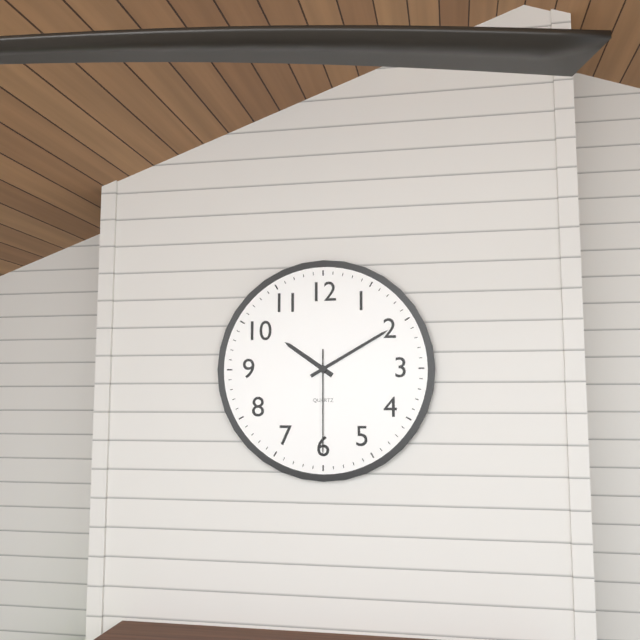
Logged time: 10,10,30
